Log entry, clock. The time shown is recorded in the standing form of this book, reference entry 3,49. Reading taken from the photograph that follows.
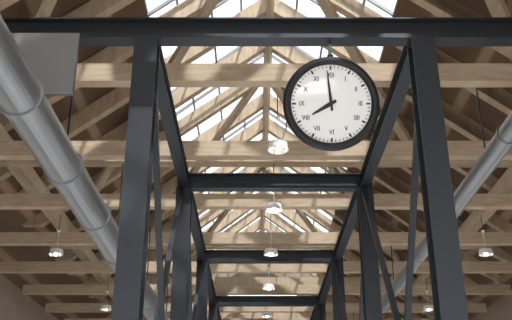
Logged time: 7,59
